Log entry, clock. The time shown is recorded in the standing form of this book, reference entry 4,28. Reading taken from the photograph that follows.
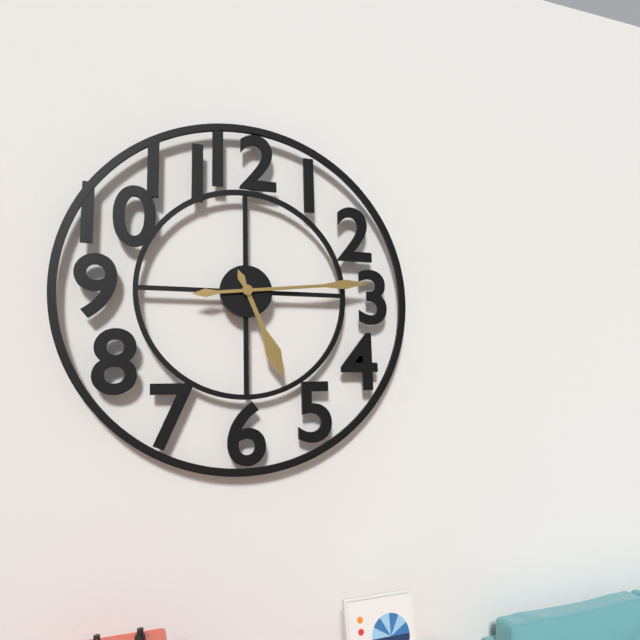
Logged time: 5,14
